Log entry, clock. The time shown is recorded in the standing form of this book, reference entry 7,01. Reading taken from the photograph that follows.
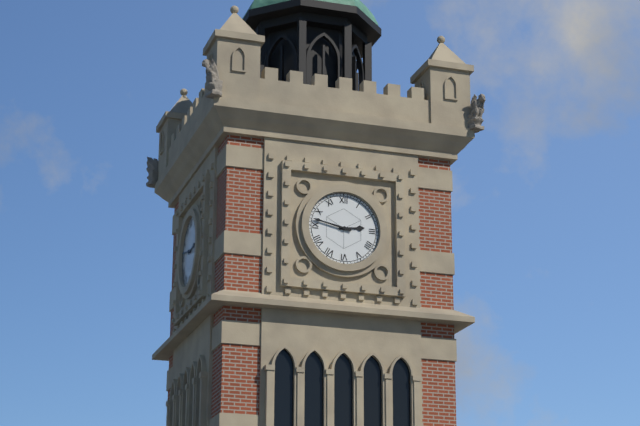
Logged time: 2,47
